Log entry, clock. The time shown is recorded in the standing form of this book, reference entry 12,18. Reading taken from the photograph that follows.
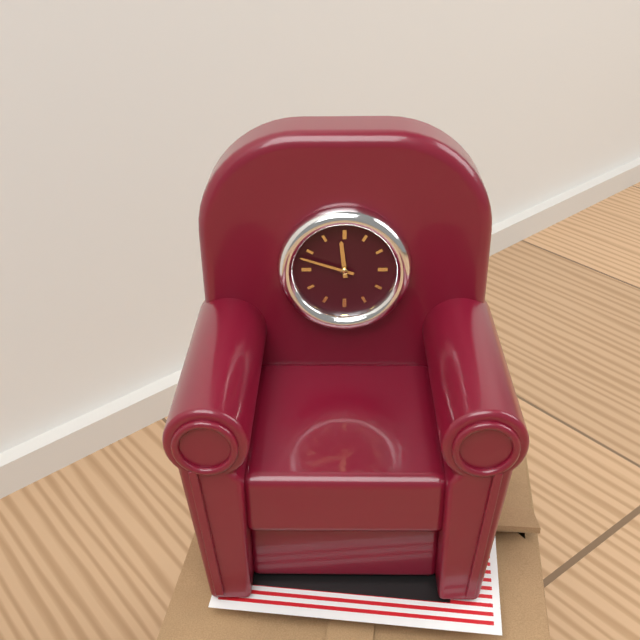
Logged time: 11,48
